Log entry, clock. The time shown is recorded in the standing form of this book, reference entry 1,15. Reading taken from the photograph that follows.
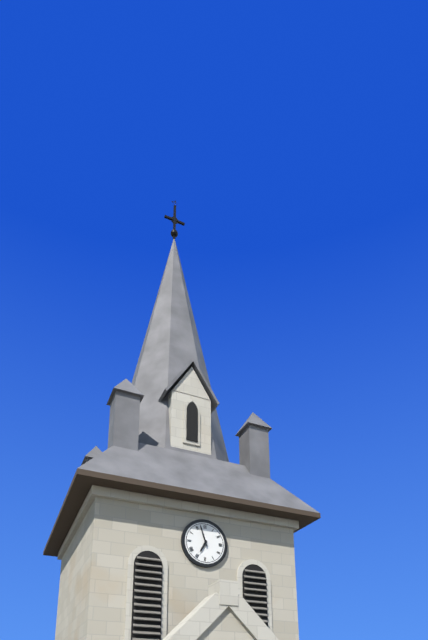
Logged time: 6,57
